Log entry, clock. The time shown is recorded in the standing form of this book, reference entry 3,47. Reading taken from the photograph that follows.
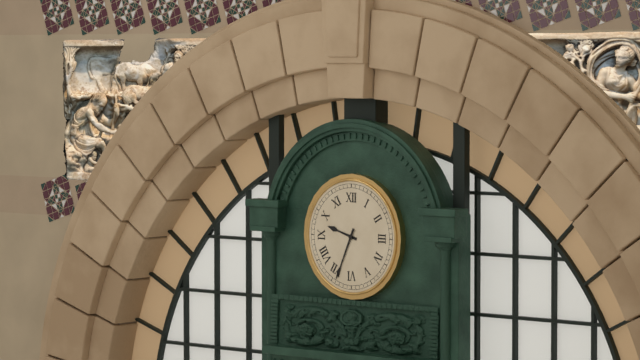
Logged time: 9,34
